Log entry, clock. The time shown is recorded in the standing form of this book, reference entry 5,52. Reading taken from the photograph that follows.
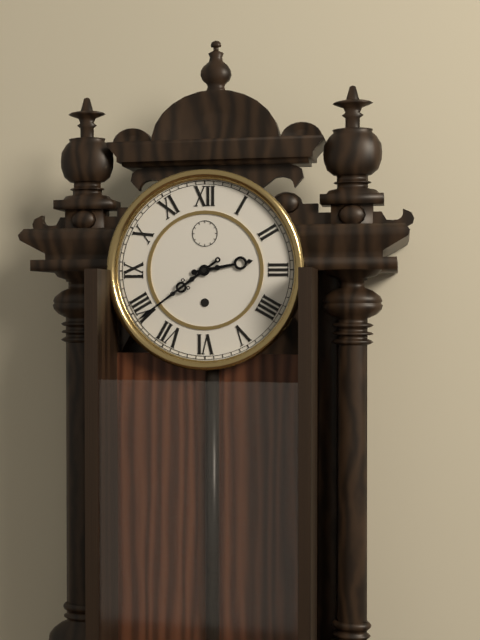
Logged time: 2,39
